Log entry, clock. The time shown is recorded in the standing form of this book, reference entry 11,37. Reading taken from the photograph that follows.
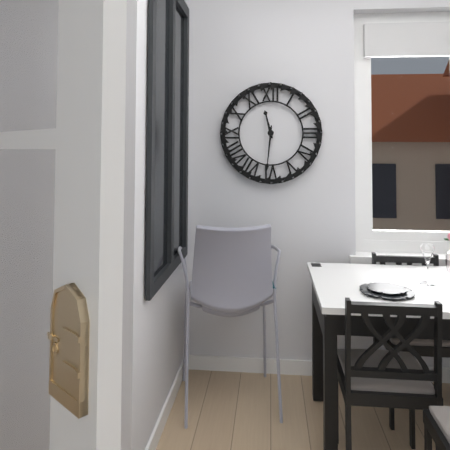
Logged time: 11,31
